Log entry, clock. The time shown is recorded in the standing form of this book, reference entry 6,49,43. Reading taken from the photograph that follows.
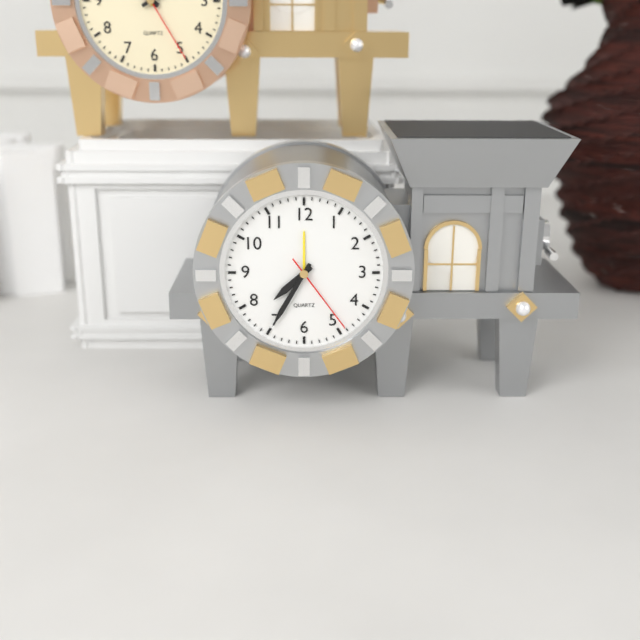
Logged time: 7,35,24
